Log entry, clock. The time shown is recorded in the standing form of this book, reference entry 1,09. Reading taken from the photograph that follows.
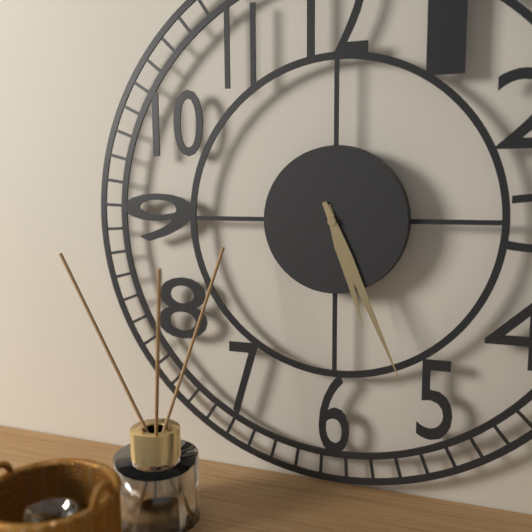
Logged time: 5,26
